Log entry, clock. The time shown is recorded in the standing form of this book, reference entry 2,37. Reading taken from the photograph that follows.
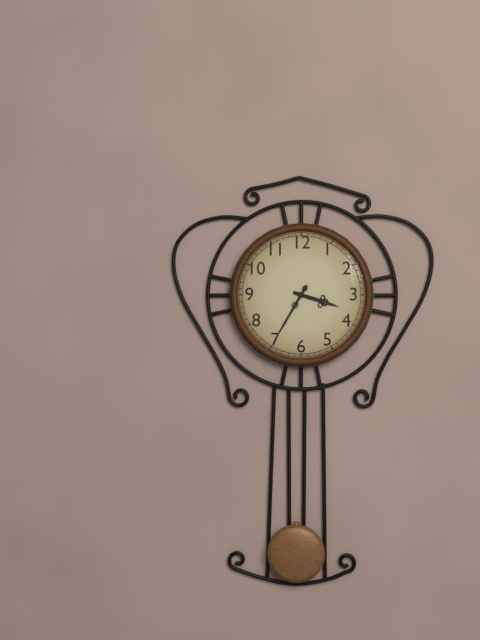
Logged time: 3,35
